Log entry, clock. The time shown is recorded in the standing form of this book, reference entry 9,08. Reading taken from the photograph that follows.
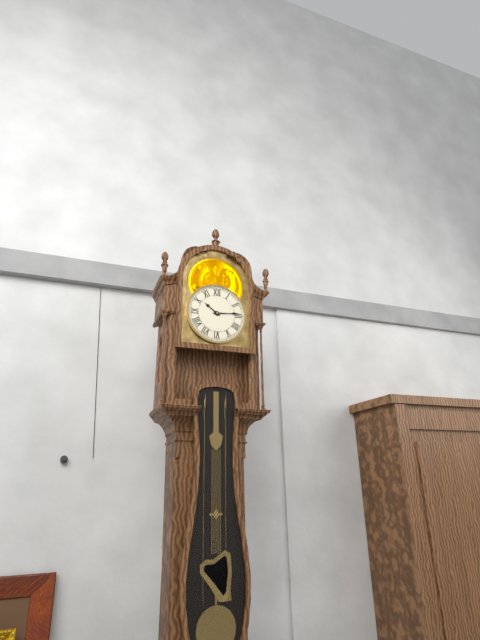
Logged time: 10,14
